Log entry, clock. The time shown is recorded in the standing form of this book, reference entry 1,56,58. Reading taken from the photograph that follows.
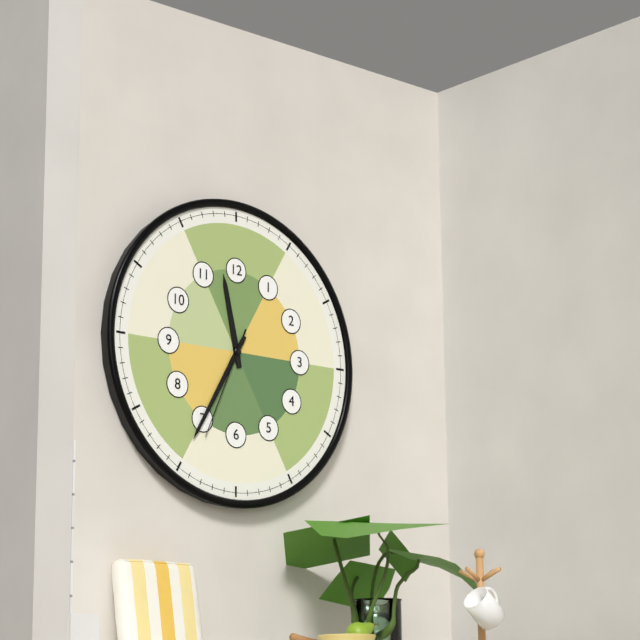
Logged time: 11,35,34
